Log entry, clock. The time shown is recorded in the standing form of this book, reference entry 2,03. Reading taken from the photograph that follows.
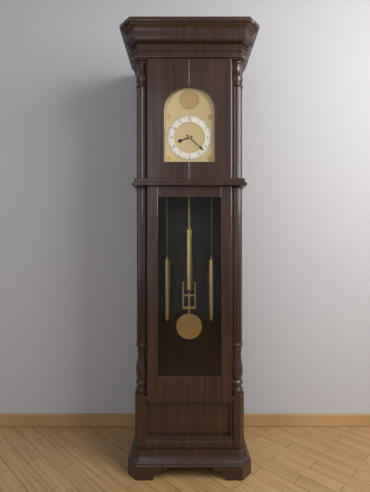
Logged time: 8,22
